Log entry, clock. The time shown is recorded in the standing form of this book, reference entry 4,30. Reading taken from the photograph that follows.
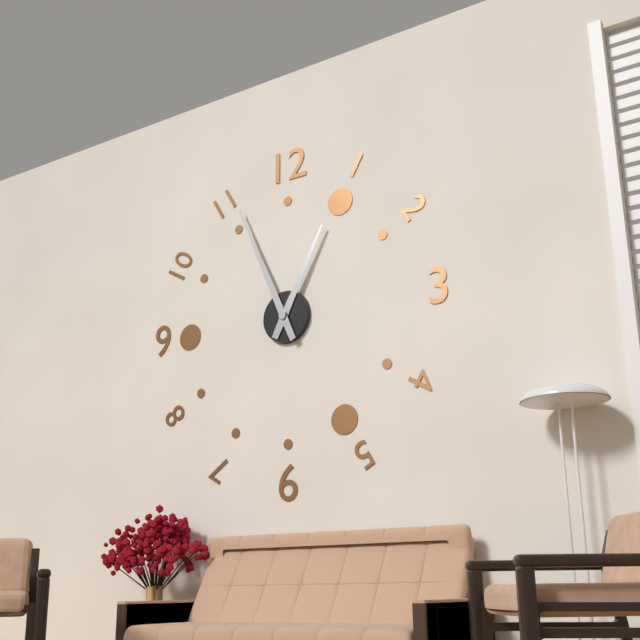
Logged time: 12,56
